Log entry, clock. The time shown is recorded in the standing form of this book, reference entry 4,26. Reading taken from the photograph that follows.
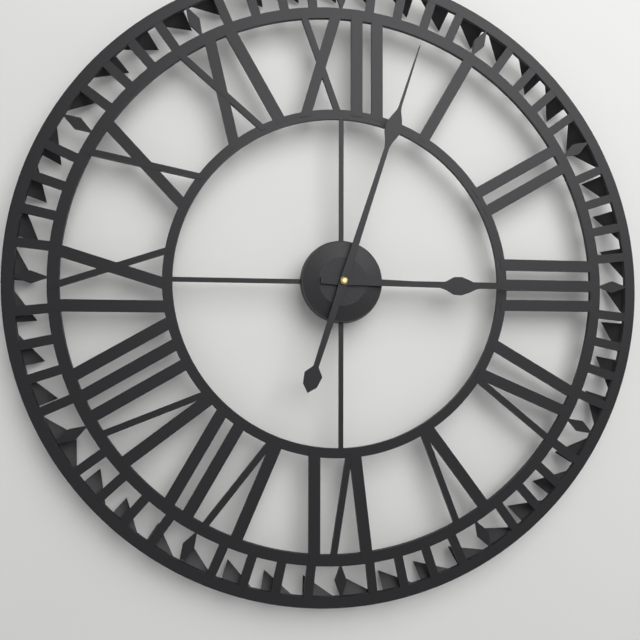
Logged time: 3,03
